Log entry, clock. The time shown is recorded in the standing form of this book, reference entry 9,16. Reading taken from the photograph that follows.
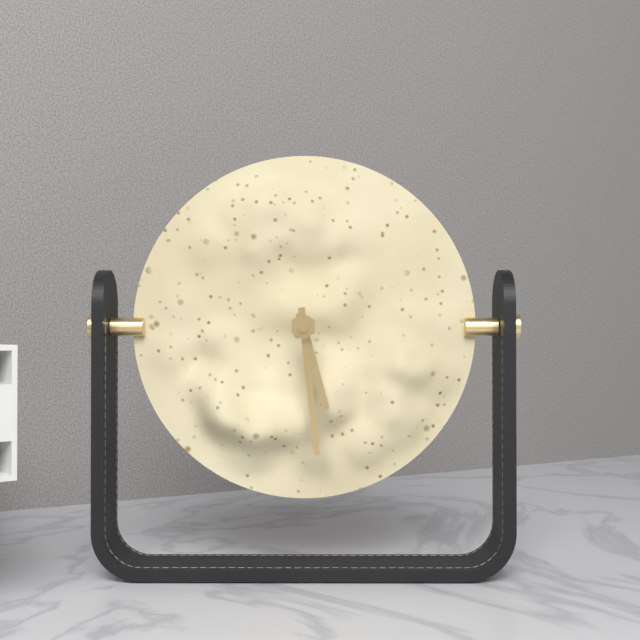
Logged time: 5,29
